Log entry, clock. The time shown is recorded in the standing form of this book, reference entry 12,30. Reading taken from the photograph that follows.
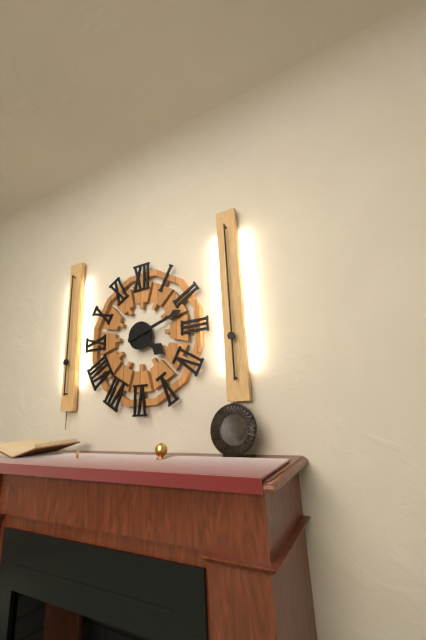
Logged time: 4,12
